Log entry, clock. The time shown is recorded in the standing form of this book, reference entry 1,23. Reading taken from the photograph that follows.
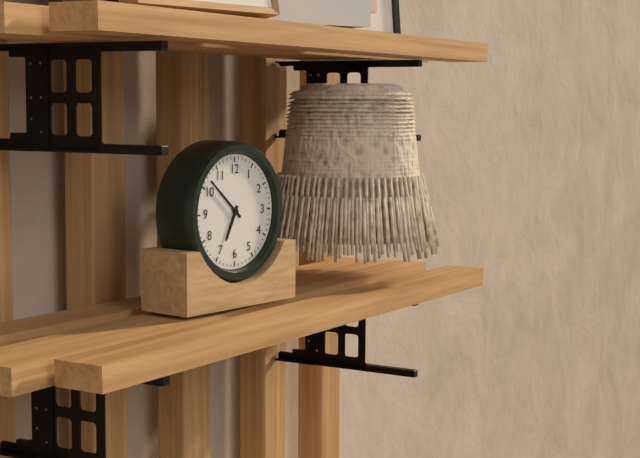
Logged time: 6,52
